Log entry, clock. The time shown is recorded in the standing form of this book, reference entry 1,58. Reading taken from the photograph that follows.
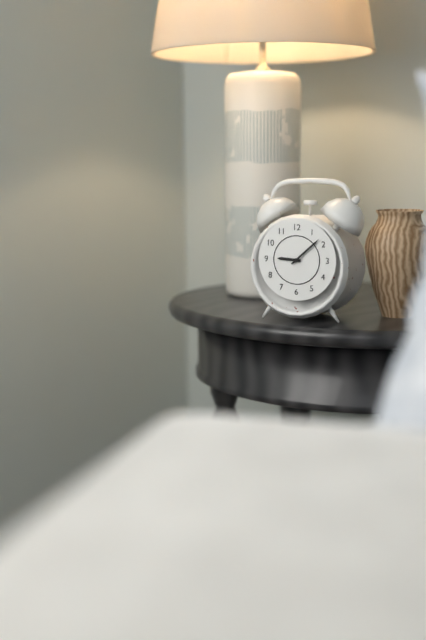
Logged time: 9,08
